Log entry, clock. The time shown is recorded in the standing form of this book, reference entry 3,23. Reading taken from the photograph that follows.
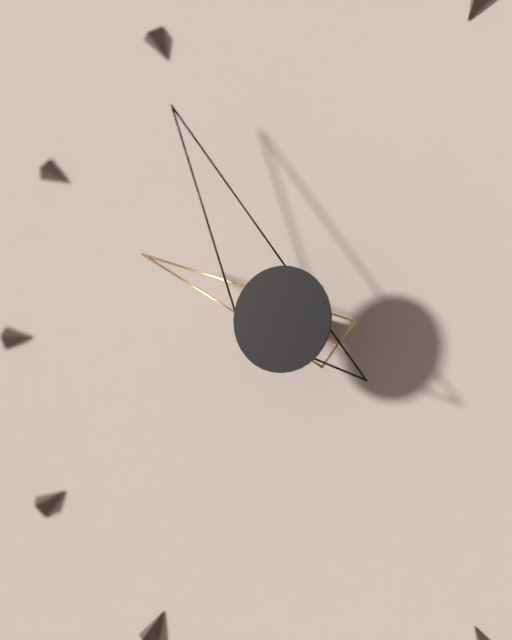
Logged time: 9,55
